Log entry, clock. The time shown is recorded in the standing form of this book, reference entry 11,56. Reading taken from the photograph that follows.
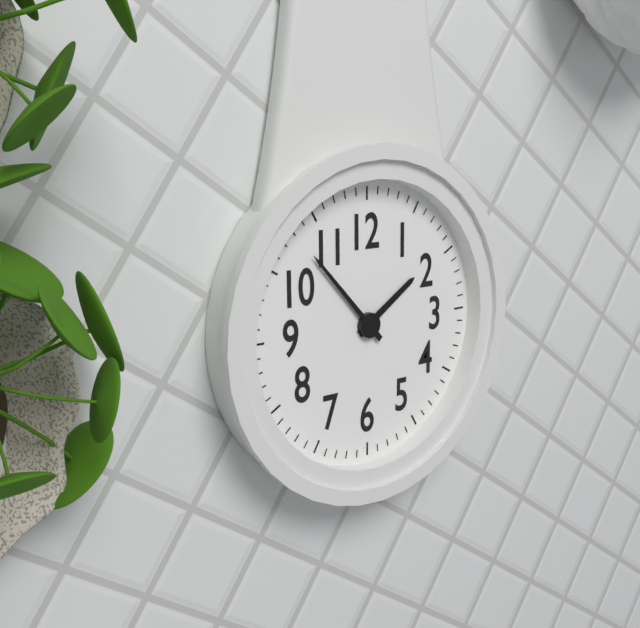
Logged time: 1,53
